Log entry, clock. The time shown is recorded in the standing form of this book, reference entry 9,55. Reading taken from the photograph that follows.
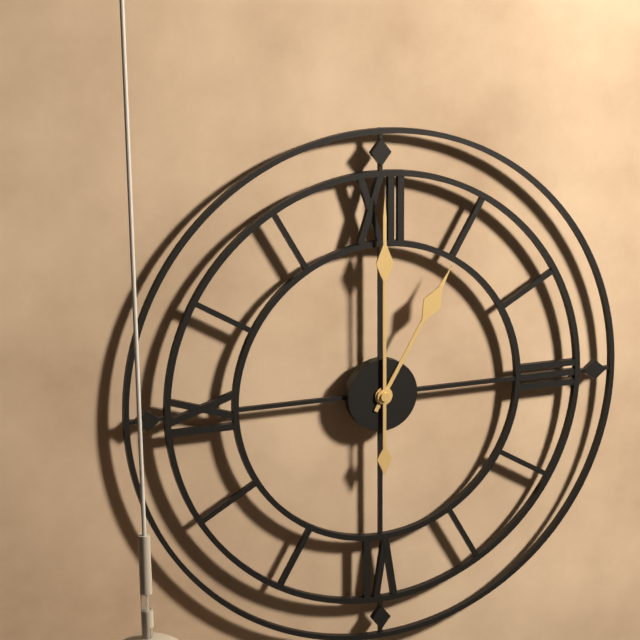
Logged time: 1,00
